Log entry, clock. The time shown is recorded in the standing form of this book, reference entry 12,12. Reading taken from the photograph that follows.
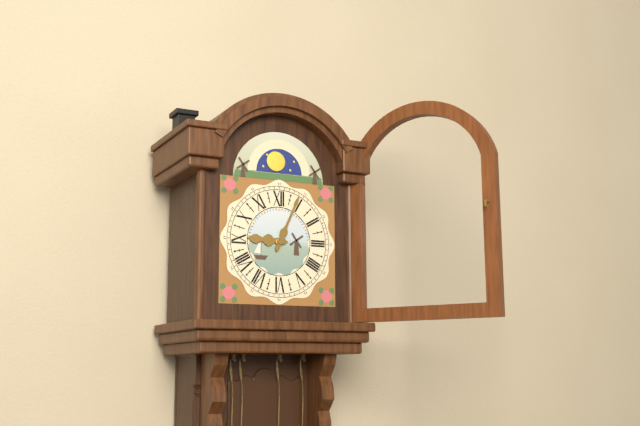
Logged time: 9,04
